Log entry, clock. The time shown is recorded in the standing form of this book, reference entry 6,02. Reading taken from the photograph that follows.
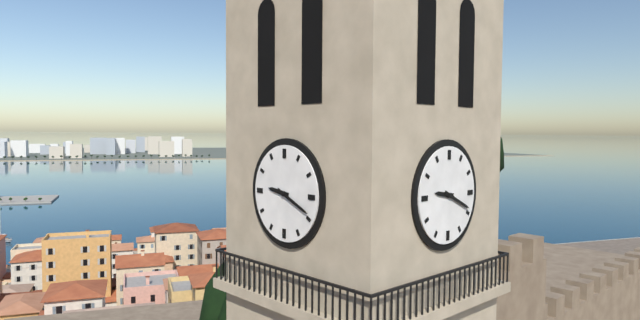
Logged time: 9,19
